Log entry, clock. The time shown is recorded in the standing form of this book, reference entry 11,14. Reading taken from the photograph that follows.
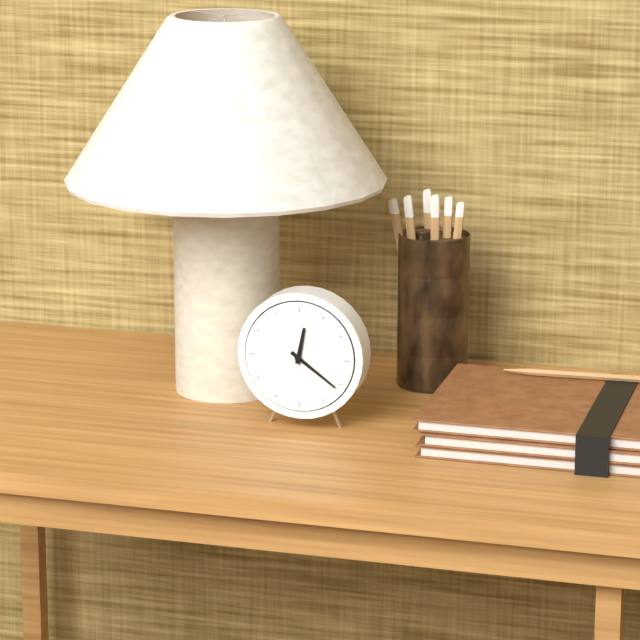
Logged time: 12,21
